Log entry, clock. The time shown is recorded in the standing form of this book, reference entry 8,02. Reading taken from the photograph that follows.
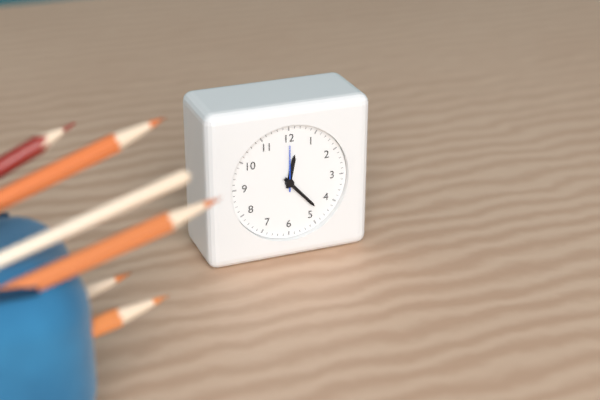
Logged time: 12,23
